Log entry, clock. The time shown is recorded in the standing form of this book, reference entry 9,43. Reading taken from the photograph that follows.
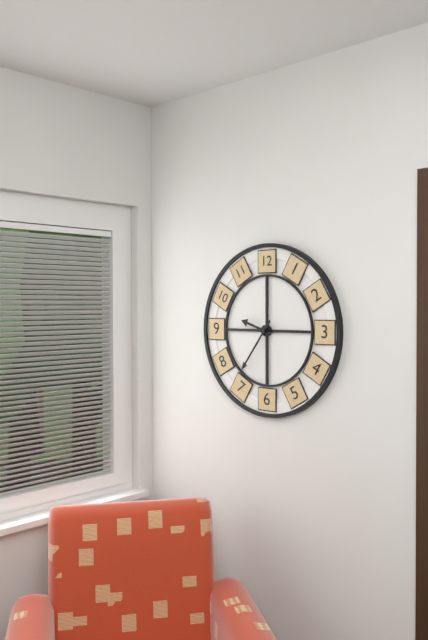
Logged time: 9,36
